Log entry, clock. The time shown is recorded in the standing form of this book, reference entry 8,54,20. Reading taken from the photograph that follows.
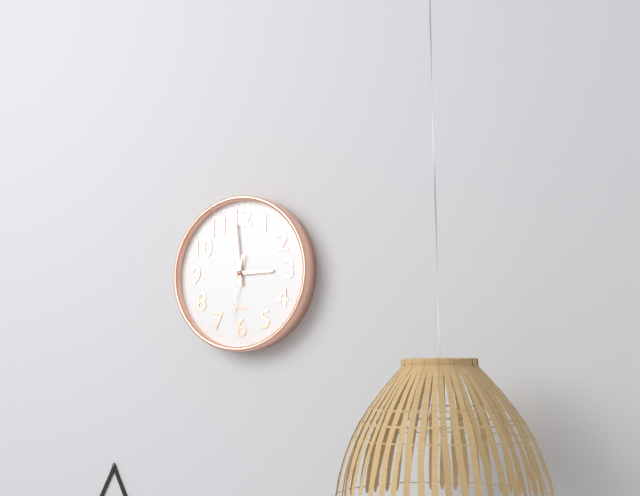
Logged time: 2,59,32
